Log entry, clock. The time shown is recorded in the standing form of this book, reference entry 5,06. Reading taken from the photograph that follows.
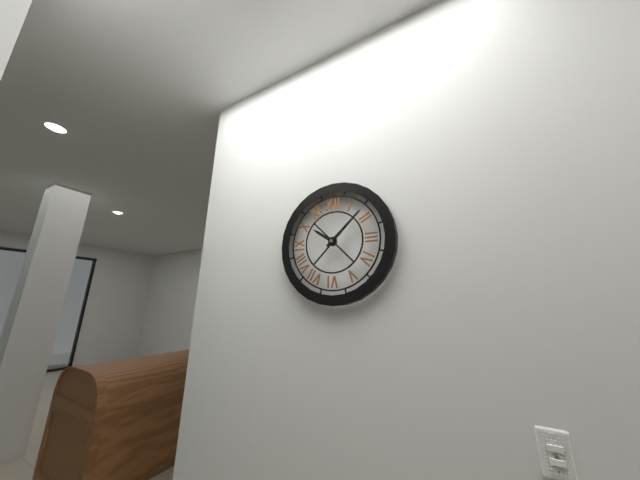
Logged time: 10,08
